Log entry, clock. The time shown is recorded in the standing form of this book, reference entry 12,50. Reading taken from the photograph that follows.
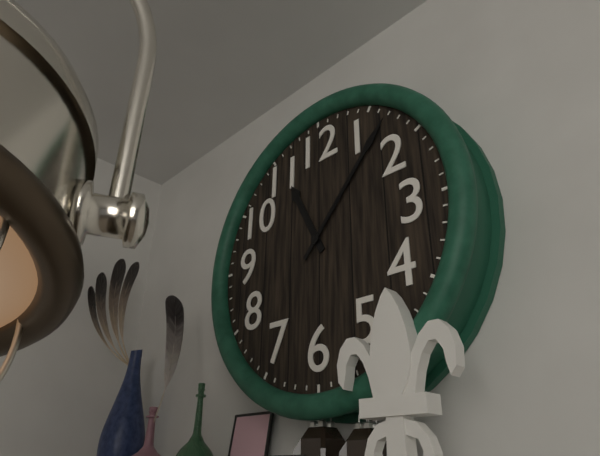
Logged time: 11,07
